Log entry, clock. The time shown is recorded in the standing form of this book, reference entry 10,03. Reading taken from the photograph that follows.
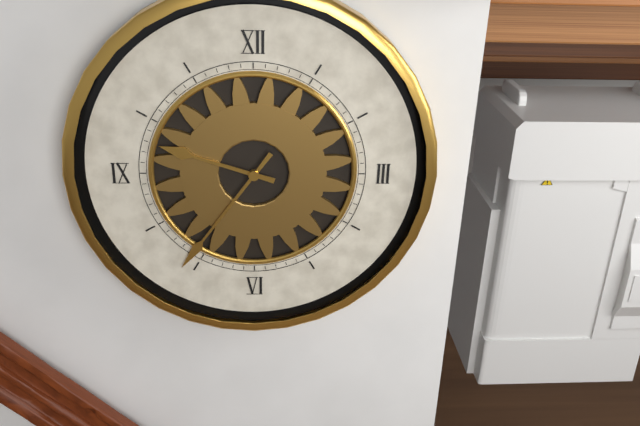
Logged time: 9,36
